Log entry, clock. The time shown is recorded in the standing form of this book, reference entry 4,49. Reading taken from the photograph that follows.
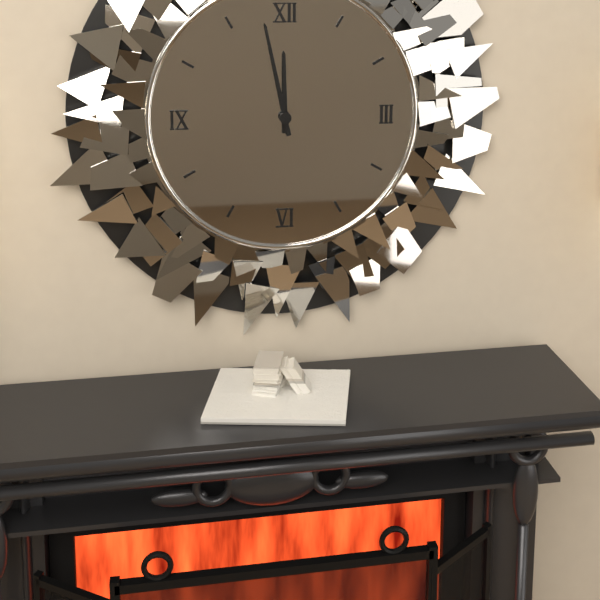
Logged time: 11,58
